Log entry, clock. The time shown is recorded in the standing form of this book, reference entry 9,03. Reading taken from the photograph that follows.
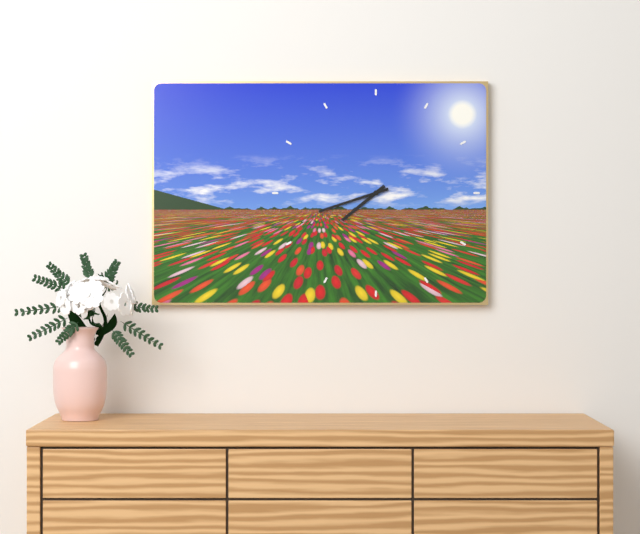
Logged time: 7,42
